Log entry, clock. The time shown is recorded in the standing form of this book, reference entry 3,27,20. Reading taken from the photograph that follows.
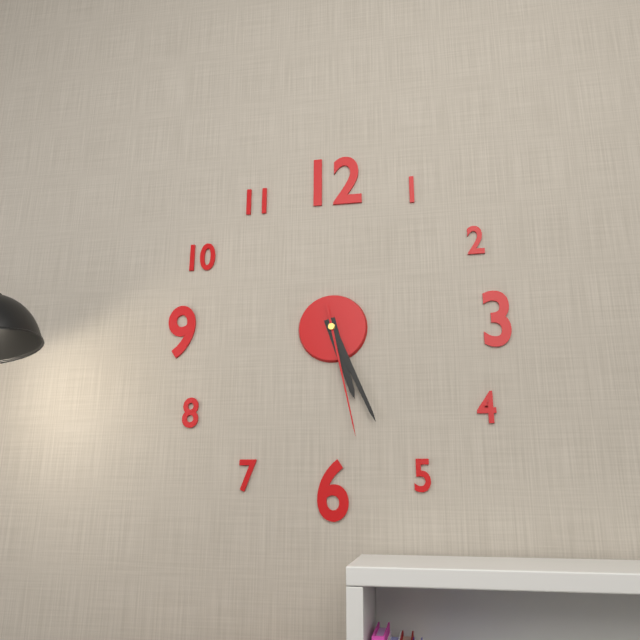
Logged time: 5,26,28
